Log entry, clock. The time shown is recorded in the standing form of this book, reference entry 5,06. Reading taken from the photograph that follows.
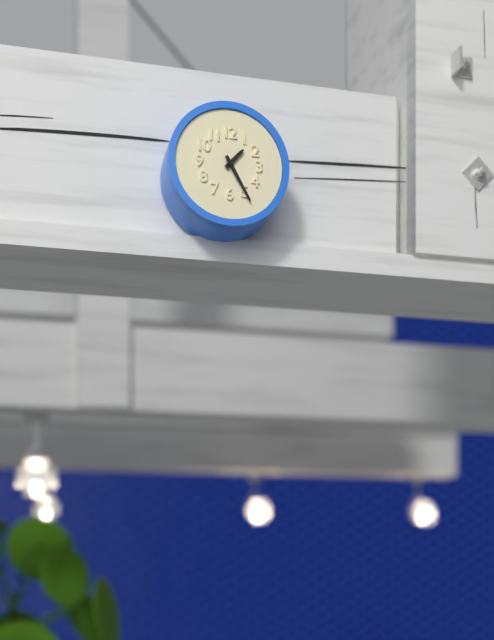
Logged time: 1,25
